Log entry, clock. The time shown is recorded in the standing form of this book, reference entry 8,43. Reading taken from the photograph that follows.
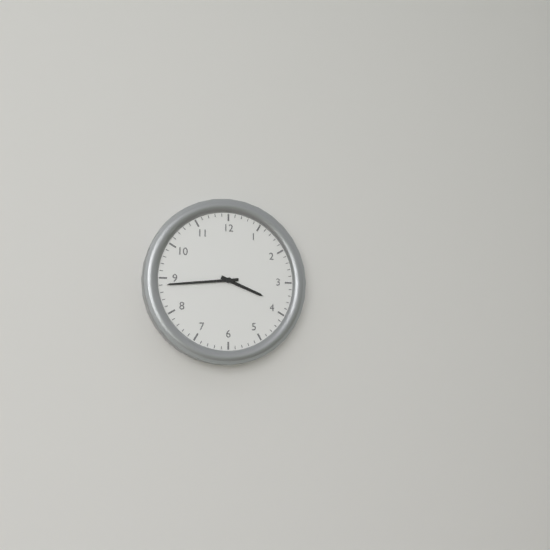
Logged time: 3,44
